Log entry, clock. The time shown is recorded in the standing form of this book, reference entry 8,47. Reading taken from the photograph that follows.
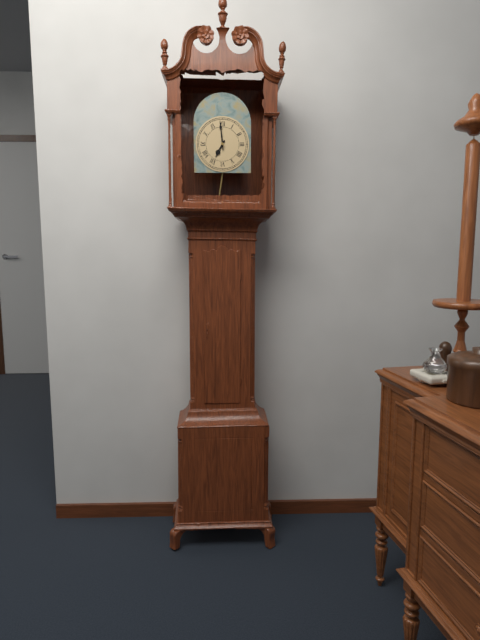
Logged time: 6,59
